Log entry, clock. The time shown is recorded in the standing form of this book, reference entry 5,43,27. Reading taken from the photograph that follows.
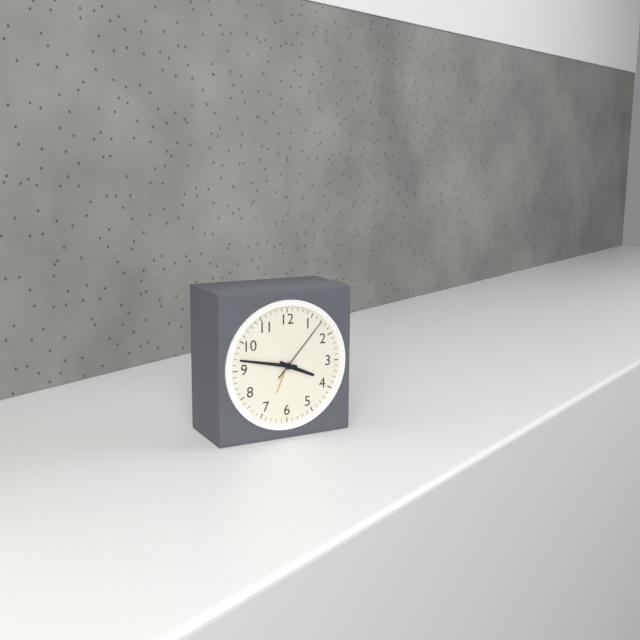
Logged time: 3,47,07
